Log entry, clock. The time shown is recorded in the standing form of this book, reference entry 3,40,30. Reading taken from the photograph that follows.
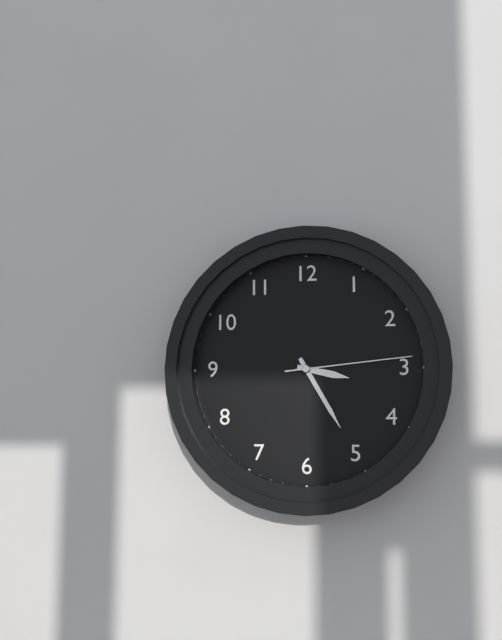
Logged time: 3,25,14
